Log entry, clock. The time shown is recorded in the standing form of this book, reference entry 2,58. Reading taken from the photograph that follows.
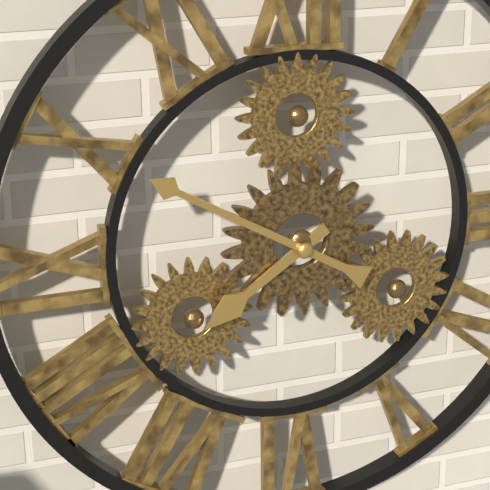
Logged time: 7,50
